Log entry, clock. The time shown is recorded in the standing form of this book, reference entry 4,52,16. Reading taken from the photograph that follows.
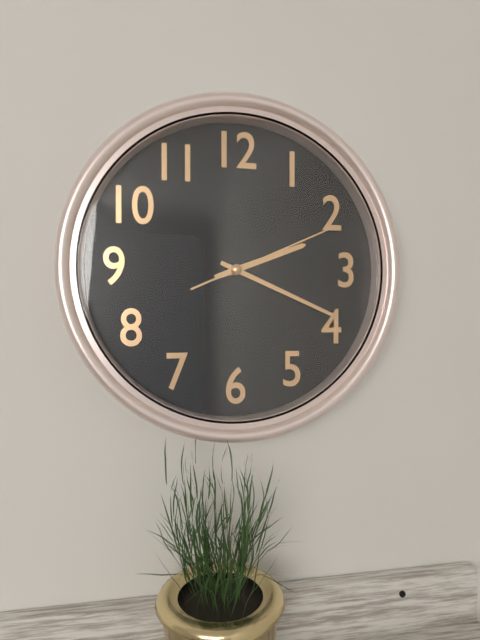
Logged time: 2,19,11
